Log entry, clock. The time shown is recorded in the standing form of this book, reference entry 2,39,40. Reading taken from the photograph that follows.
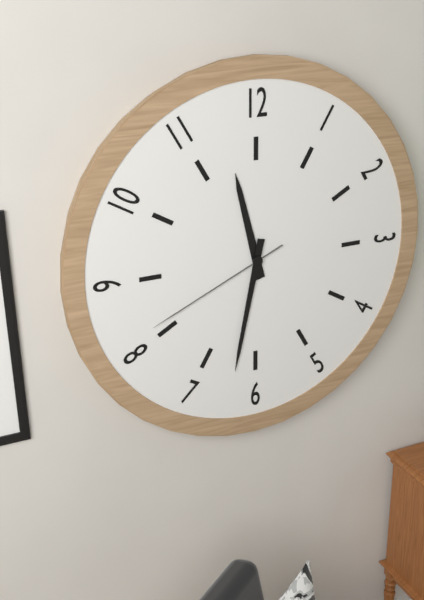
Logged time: 11,32,41
